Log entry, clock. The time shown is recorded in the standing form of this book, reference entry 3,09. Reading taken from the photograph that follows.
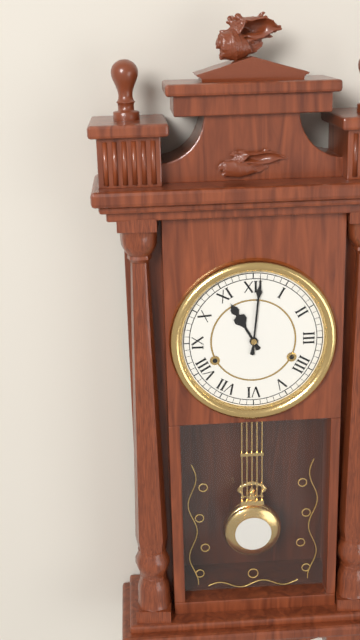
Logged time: 11,01
